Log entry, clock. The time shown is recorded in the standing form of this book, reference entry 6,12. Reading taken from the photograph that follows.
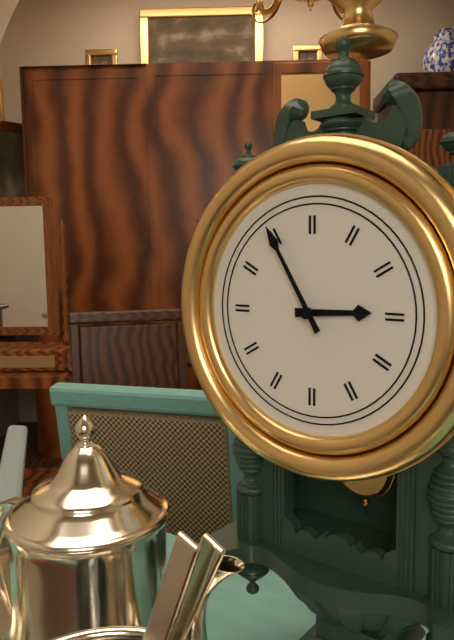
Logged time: 2,55
